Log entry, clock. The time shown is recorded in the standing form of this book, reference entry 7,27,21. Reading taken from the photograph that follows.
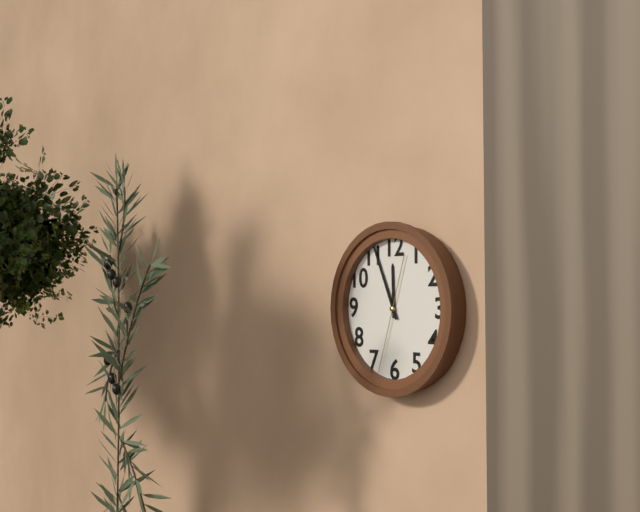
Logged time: 11,56,33
